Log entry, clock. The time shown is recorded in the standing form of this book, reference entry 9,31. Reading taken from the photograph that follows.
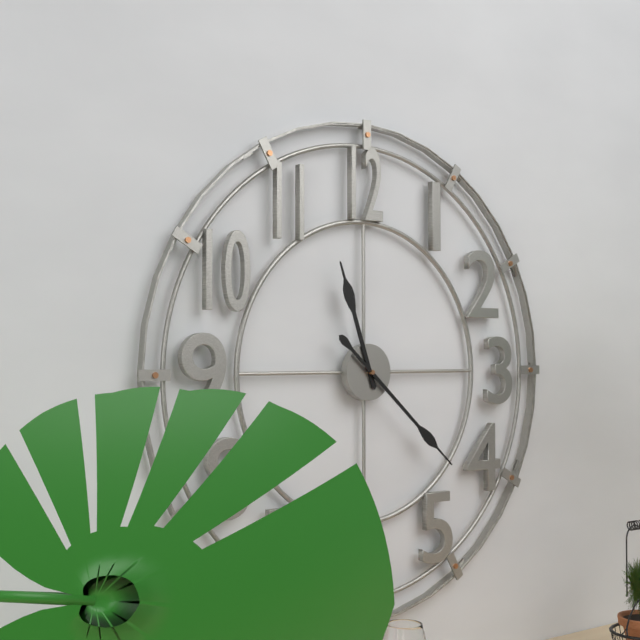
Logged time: 11,22
